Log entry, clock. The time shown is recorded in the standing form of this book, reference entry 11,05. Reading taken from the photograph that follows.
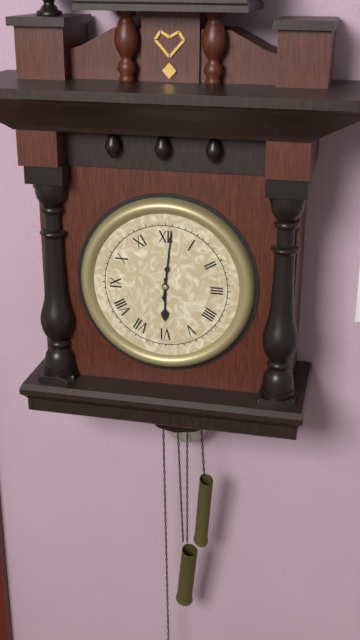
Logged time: 6,01
